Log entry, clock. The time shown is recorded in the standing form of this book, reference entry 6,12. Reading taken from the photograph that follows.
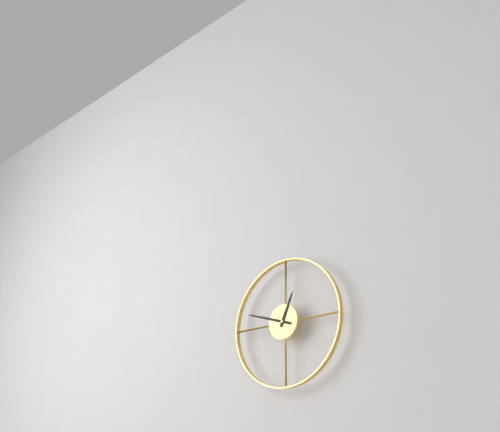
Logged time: 12,48
